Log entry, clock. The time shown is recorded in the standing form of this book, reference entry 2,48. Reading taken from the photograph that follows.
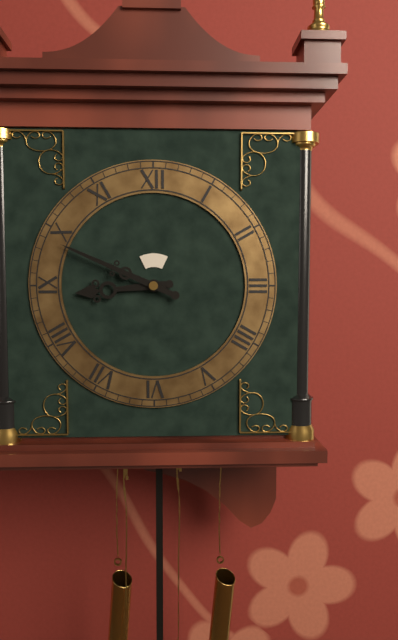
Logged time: 8,49
